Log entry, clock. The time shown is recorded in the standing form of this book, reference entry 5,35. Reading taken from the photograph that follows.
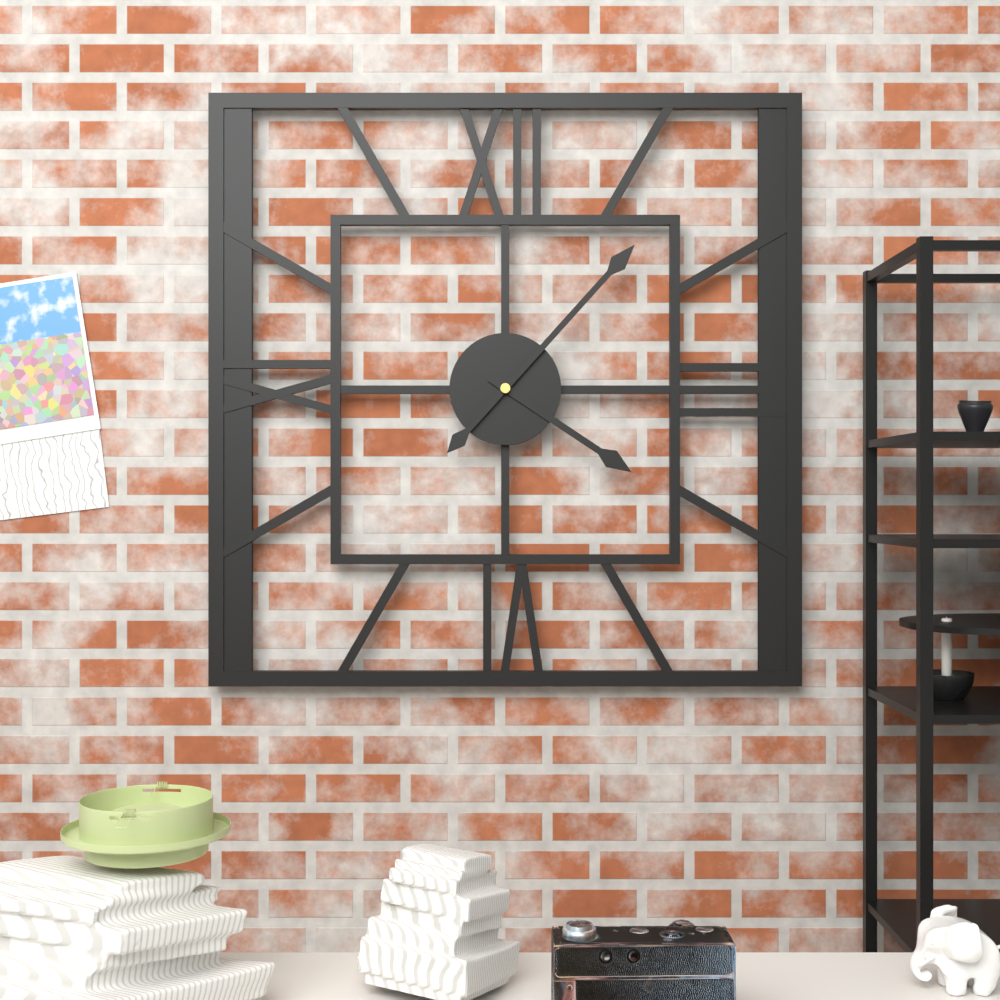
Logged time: 4,07
